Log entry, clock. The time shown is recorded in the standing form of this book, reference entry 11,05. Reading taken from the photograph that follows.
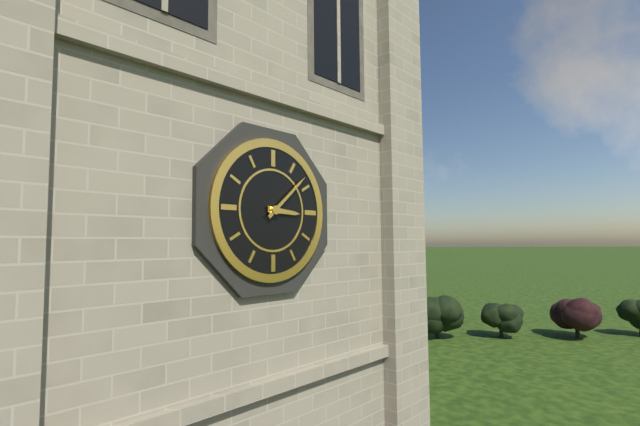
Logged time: 3,08
